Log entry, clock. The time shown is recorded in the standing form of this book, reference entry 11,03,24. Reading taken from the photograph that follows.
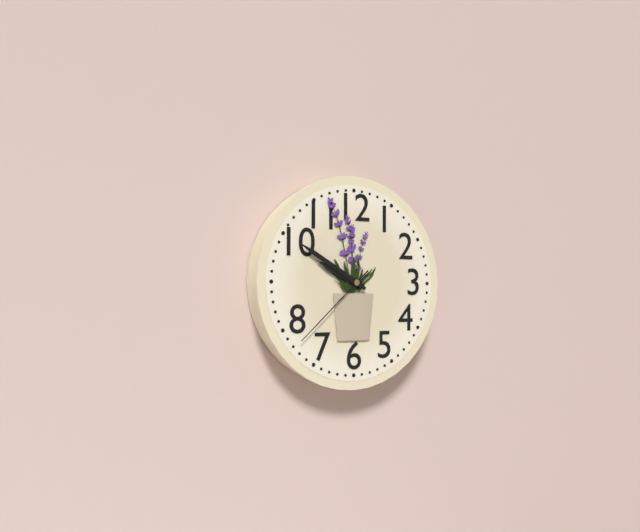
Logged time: 9,50,38
